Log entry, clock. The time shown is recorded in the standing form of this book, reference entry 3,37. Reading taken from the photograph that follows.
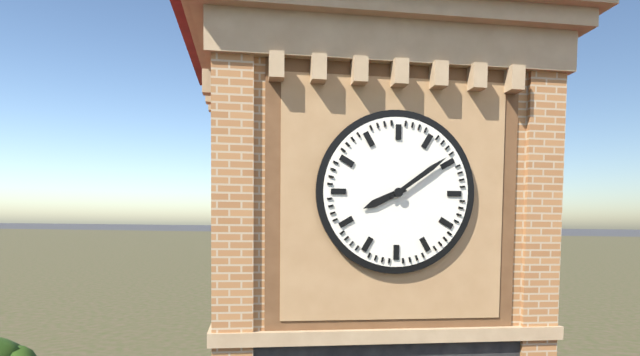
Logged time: 8,09
